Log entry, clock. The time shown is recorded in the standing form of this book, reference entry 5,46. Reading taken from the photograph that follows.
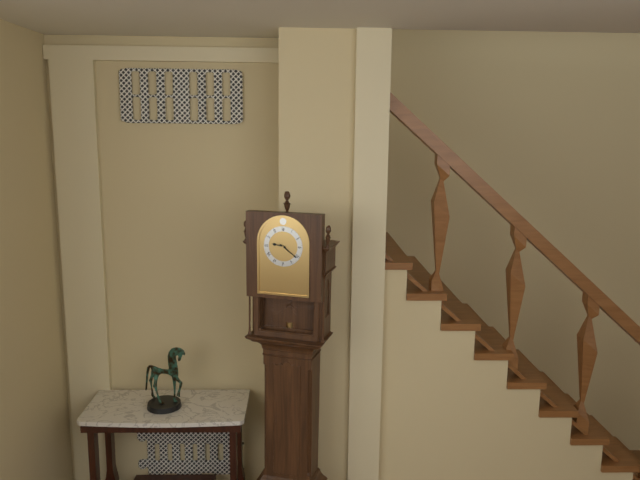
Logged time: 9,21
